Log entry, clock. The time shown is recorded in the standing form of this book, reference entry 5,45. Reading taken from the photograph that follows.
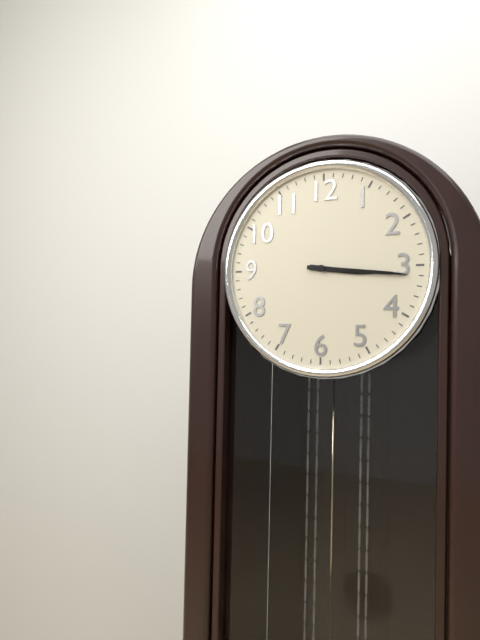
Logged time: 3,16
